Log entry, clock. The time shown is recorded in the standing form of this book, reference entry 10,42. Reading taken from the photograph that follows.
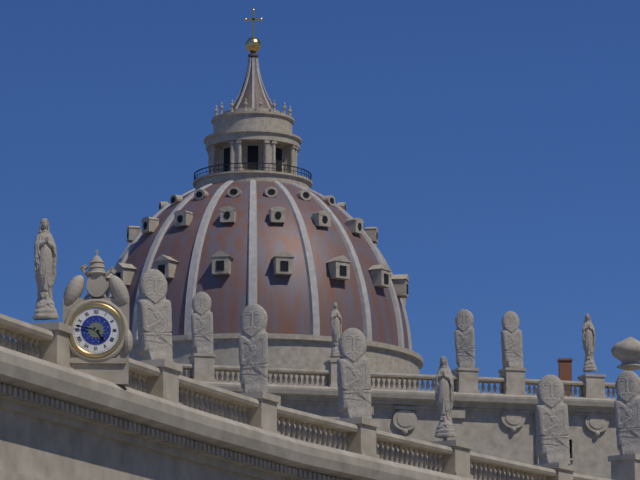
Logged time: 4,47
